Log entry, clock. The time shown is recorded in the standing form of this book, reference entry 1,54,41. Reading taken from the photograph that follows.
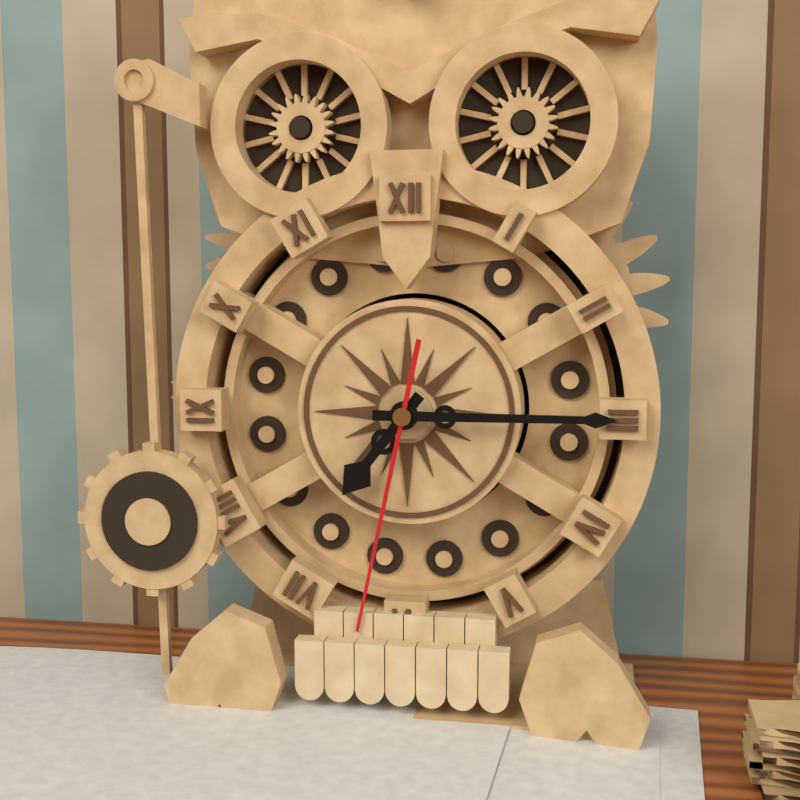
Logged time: 7,15,32
